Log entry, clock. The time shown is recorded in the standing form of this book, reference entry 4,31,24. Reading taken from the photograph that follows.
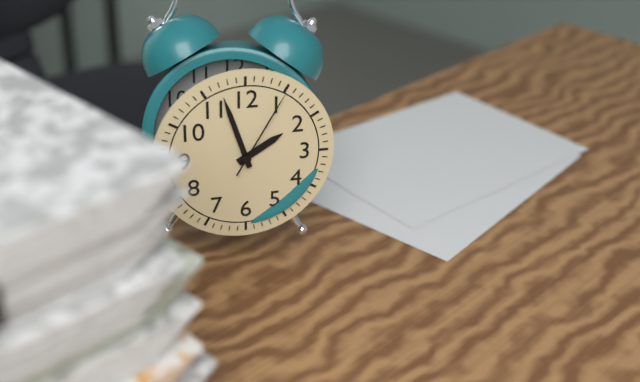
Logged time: 1,57,05
